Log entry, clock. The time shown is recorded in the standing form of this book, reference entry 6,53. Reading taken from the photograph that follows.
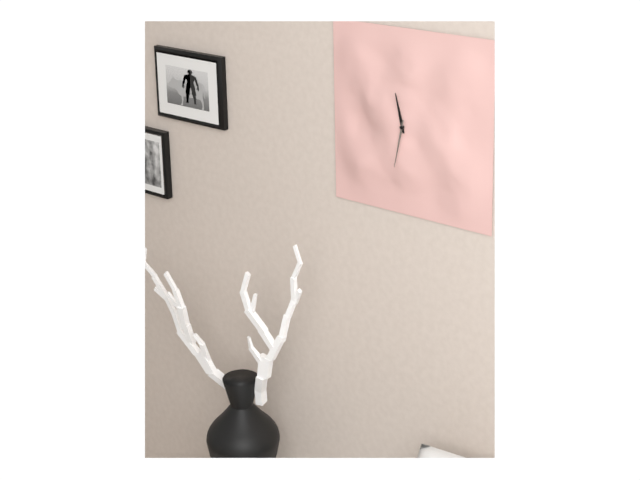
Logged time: 11,32
